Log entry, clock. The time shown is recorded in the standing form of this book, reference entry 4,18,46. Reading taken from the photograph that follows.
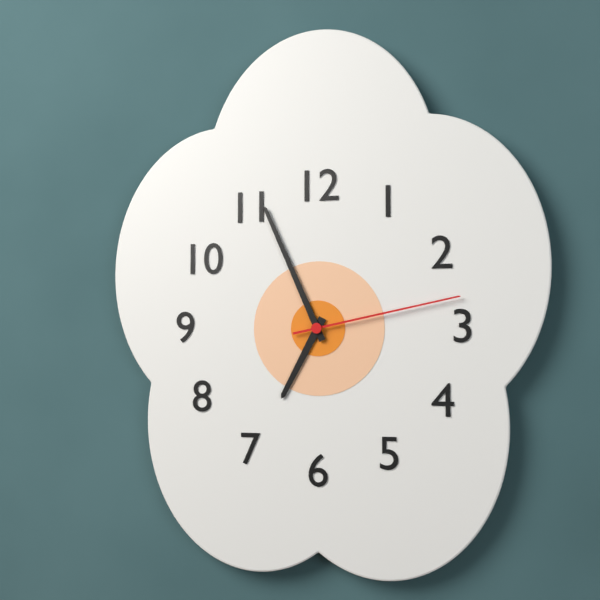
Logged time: 6,56,13
